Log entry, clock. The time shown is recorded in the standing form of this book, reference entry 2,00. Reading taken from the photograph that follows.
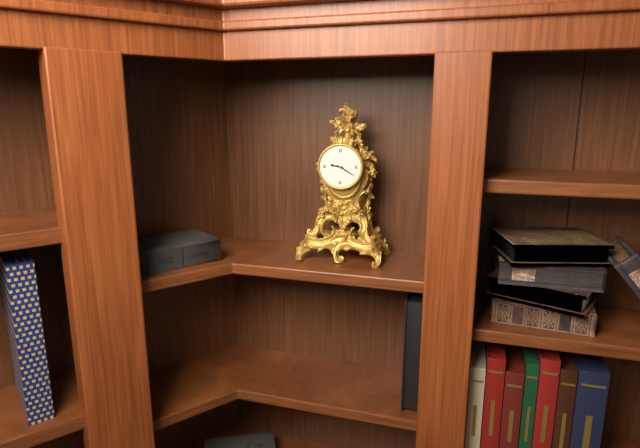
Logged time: 9,20
